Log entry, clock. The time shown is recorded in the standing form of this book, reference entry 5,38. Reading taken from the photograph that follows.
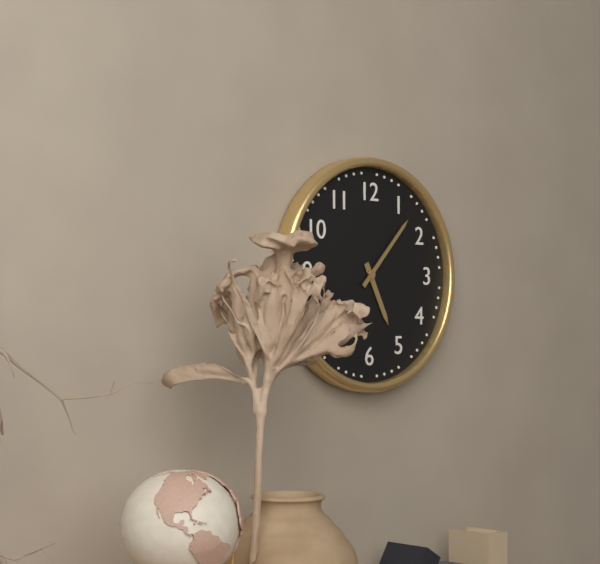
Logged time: 5,07
